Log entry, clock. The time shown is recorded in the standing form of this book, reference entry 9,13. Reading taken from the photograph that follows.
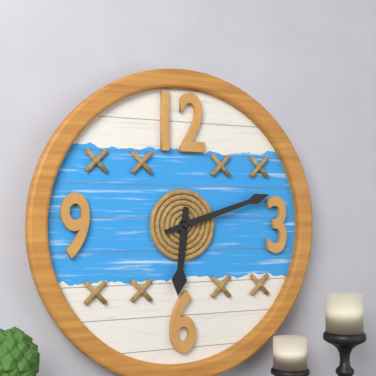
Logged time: 6,12
